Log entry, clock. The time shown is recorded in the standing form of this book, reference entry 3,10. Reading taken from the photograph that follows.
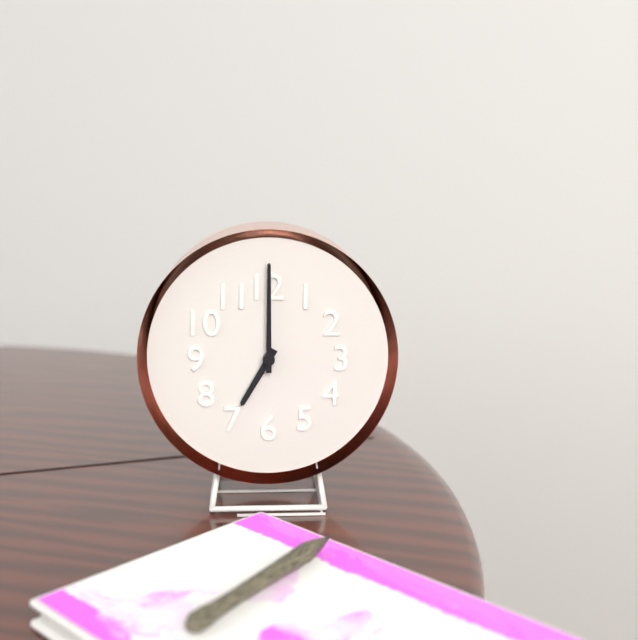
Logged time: 7,00
